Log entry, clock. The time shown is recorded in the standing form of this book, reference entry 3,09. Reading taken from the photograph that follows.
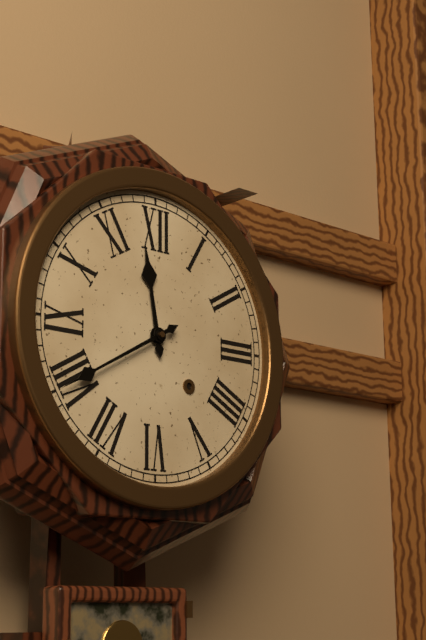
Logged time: 11,40
